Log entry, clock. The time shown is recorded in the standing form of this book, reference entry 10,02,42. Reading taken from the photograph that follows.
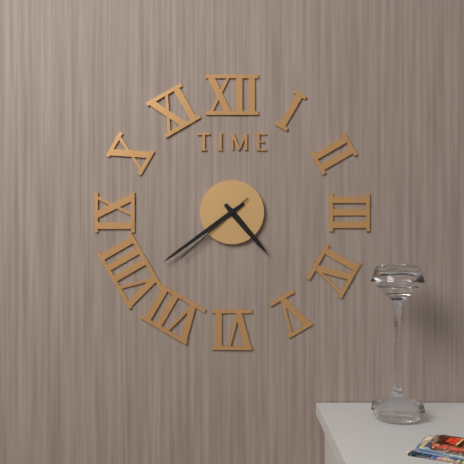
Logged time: 4,39,38
